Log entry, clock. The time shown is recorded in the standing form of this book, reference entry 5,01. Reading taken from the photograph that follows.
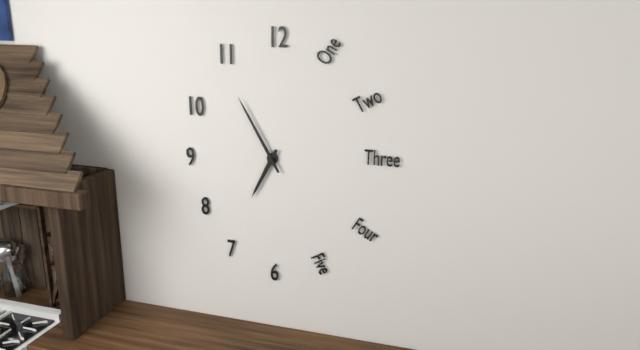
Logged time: 6,55
